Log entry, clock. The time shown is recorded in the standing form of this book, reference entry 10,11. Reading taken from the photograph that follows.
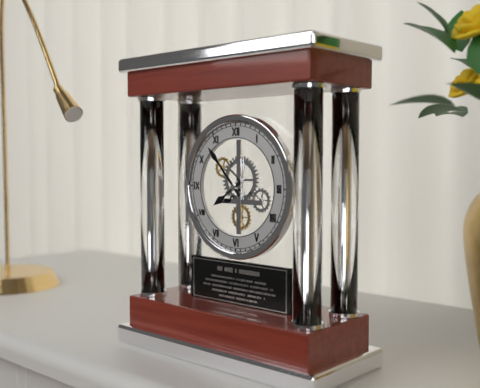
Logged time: 7,53
